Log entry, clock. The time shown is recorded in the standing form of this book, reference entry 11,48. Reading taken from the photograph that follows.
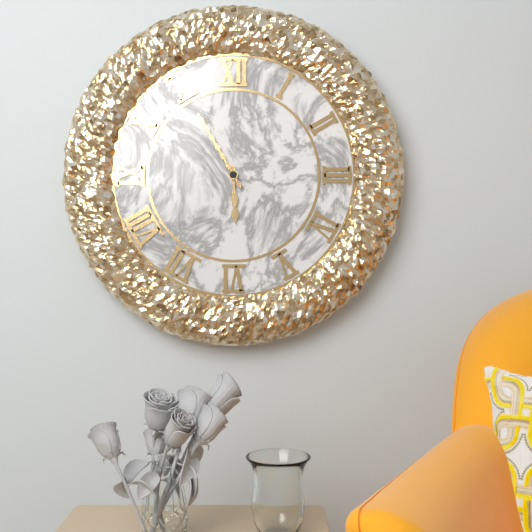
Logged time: 5,55
